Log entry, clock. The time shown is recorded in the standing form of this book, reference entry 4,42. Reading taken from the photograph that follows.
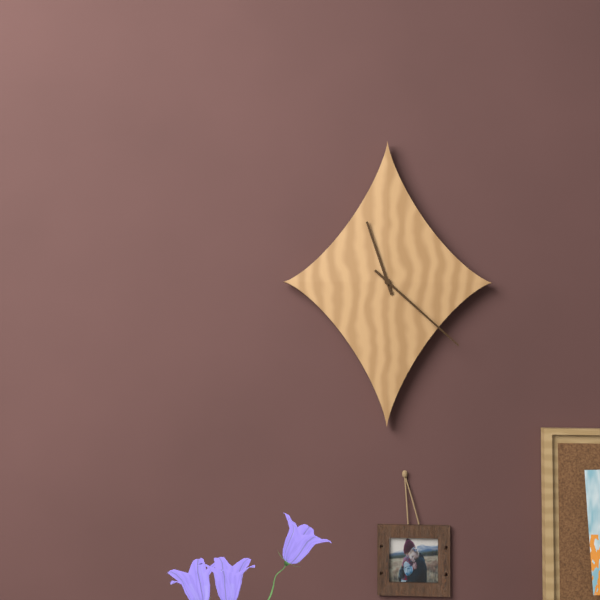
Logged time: 11,22
